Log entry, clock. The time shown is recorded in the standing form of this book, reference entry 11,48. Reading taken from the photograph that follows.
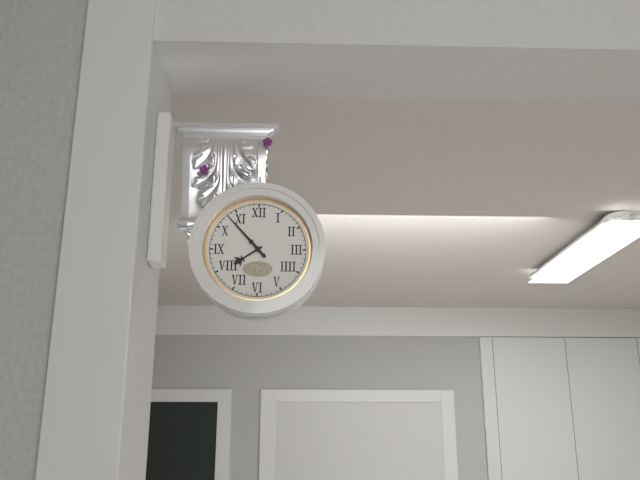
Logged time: 7,53
